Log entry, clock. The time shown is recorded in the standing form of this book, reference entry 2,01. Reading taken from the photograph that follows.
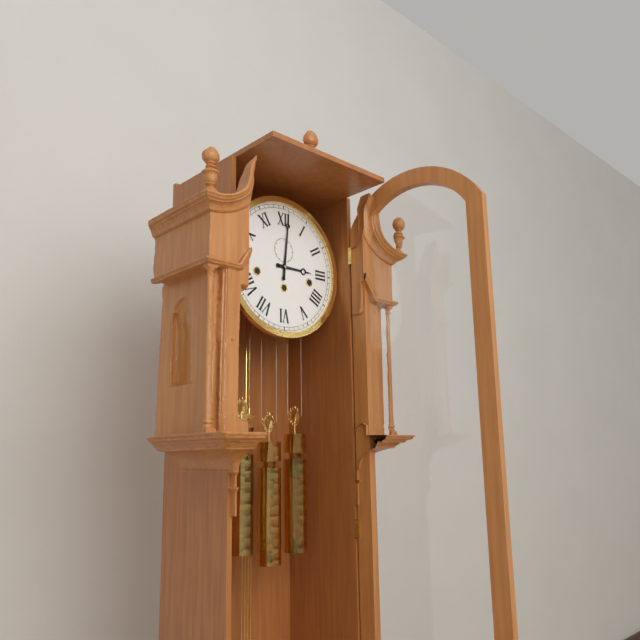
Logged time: 3,01
